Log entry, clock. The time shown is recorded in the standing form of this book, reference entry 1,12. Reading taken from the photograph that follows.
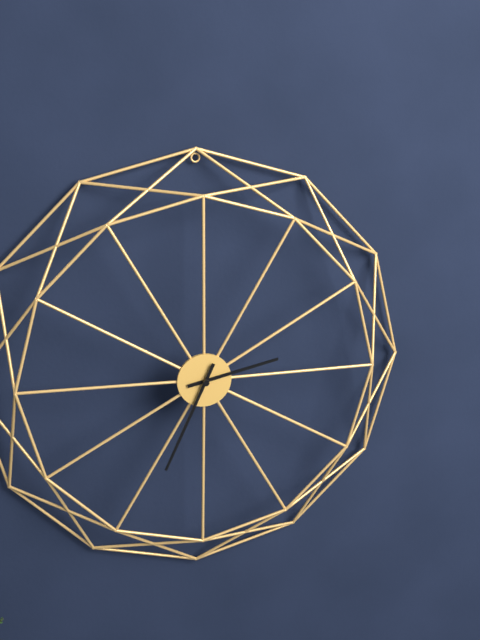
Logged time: 2,34
